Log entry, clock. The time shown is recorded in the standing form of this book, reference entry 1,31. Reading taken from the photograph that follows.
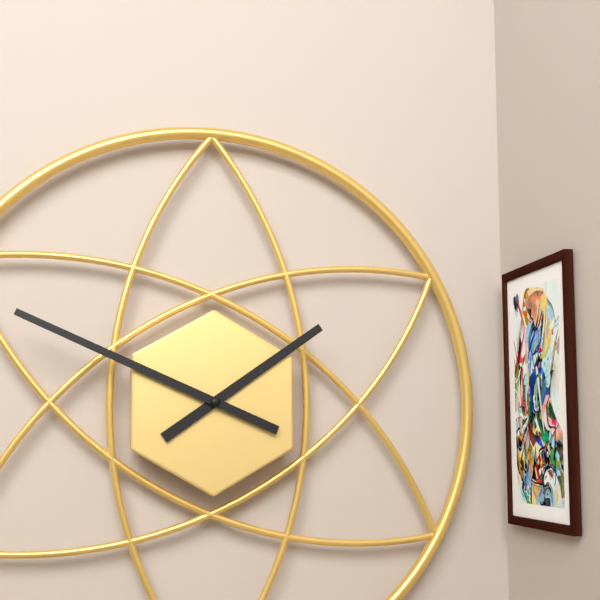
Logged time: 1,49
